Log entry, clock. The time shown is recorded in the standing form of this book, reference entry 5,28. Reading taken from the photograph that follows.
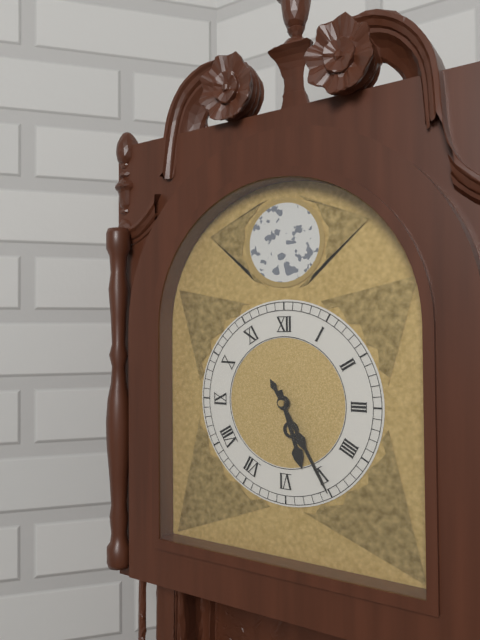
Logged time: 5,25
